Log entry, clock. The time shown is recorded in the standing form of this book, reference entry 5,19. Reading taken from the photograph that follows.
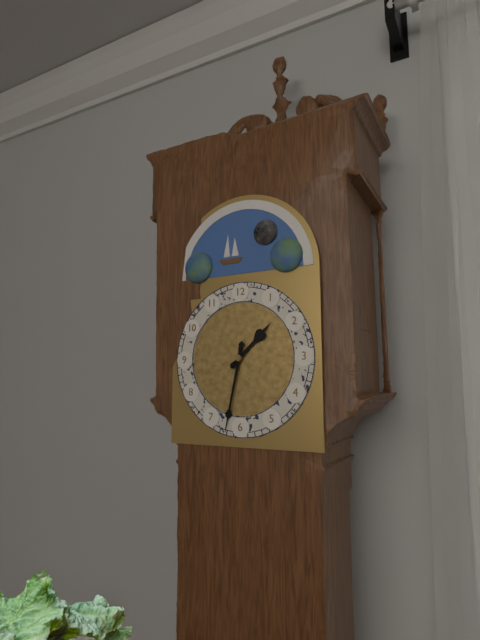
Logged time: 1,32
